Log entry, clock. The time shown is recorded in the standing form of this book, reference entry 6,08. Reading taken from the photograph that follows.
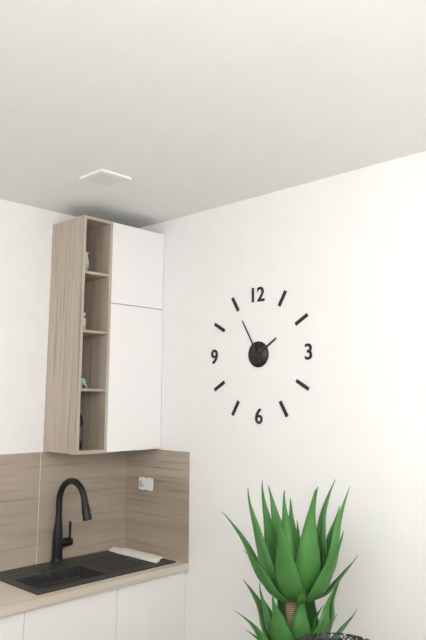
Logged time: 1,55
